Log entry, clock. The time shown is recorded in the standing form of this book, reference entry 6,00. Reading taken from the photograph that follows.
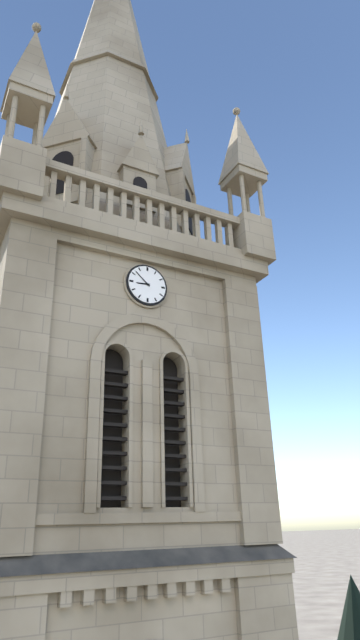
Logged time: 8,52
